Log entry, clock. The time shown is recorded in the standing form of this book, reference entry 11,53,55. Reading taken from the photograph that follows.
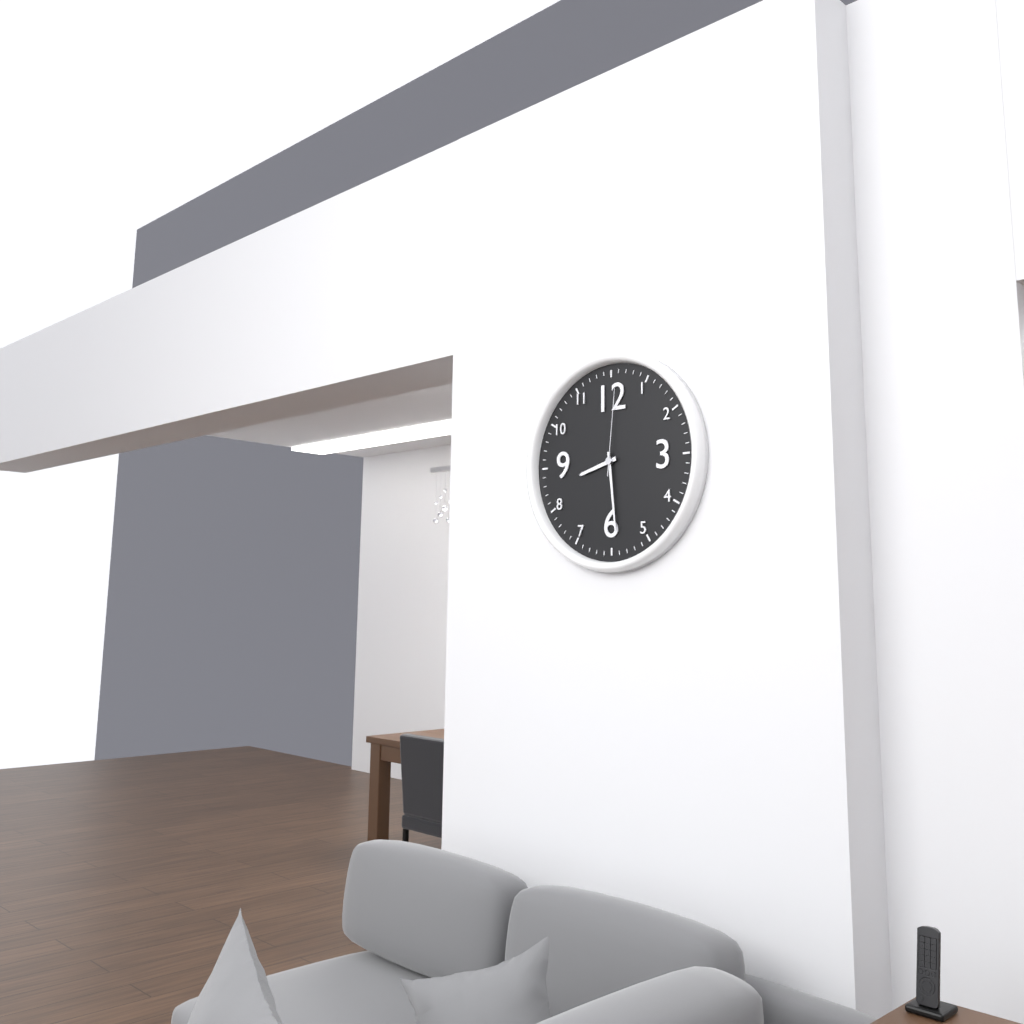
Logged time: 8,29,01
